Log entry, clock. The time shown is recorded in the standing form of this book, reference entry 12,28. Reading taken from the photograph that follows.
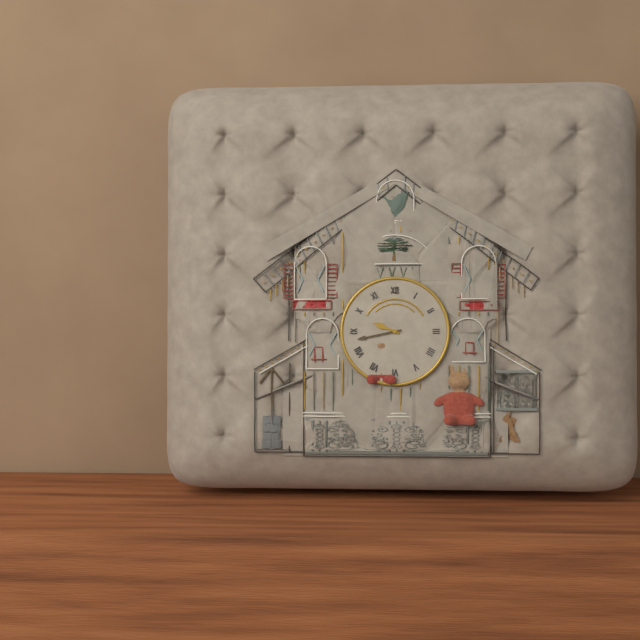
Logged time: 9,43
